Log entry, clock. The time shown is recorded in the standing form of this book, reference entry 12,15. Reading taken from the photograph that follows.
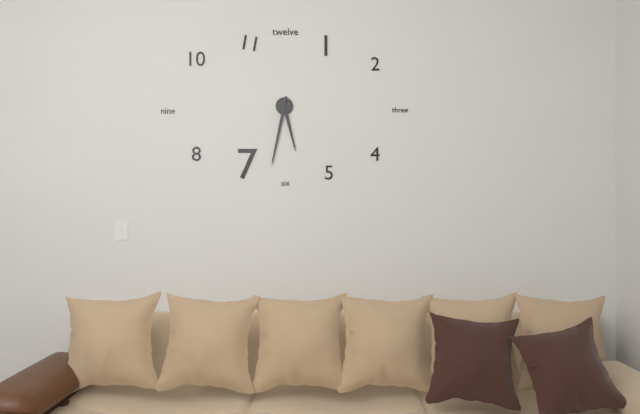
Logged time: 5,32
